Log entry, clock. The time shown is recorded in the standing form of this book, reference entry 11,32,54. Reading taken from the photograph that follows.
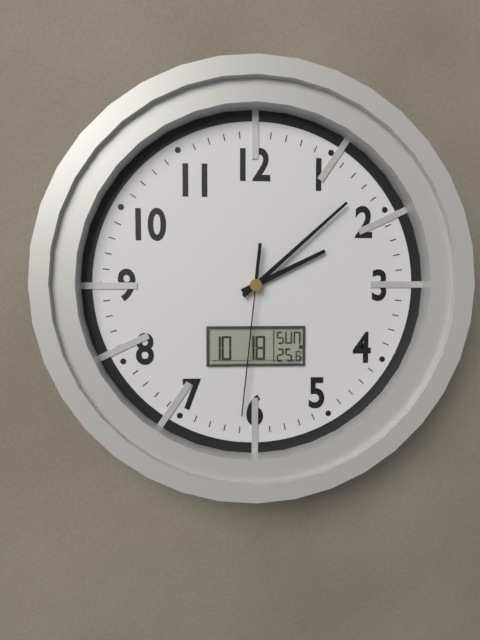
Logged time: 2,08,31
